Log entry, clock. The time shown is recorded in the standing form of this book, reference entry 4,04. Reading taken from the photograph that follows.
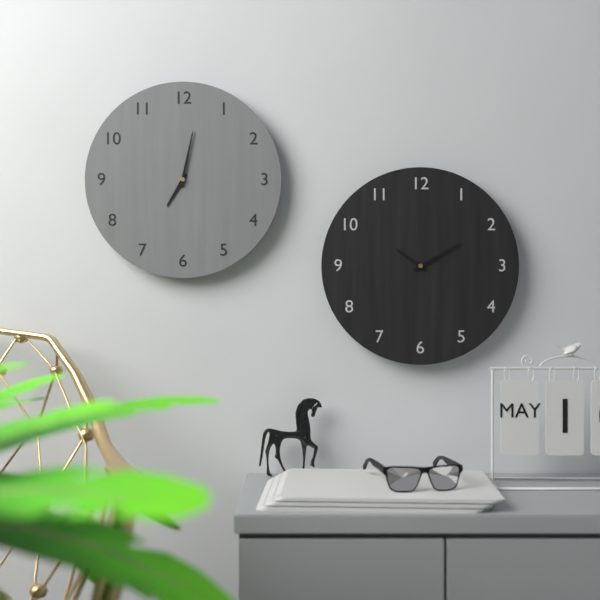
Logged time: 7,02
